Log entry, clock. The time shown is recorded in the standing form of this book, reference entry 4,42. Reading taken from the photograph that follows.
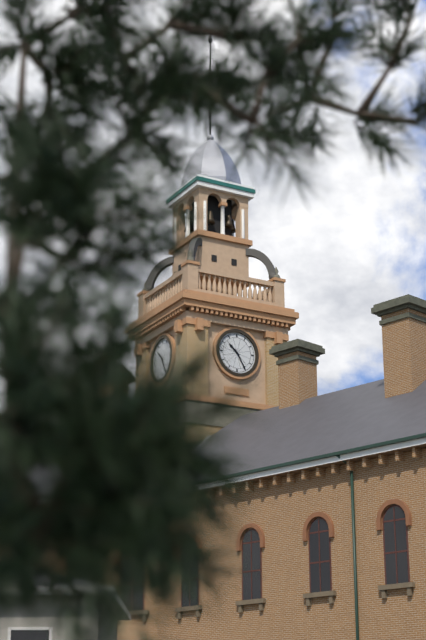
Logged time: 10,25
